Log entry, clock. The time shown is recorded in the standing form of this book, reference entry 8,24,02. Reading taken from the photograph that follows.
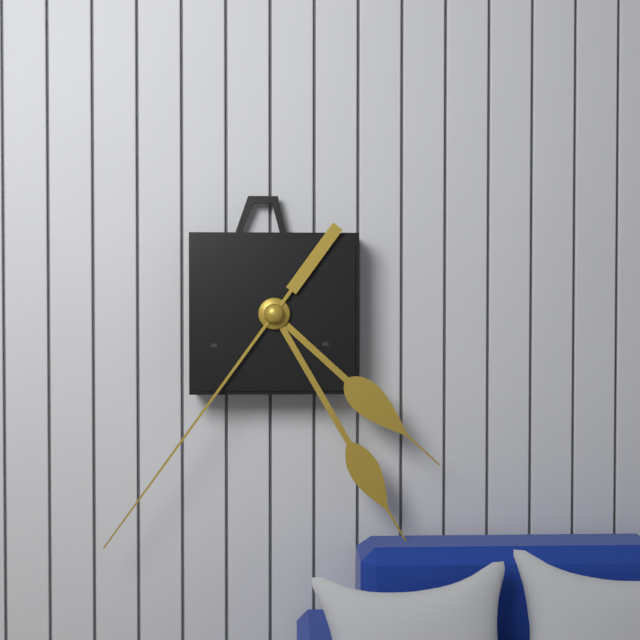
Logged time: 4,25,36
